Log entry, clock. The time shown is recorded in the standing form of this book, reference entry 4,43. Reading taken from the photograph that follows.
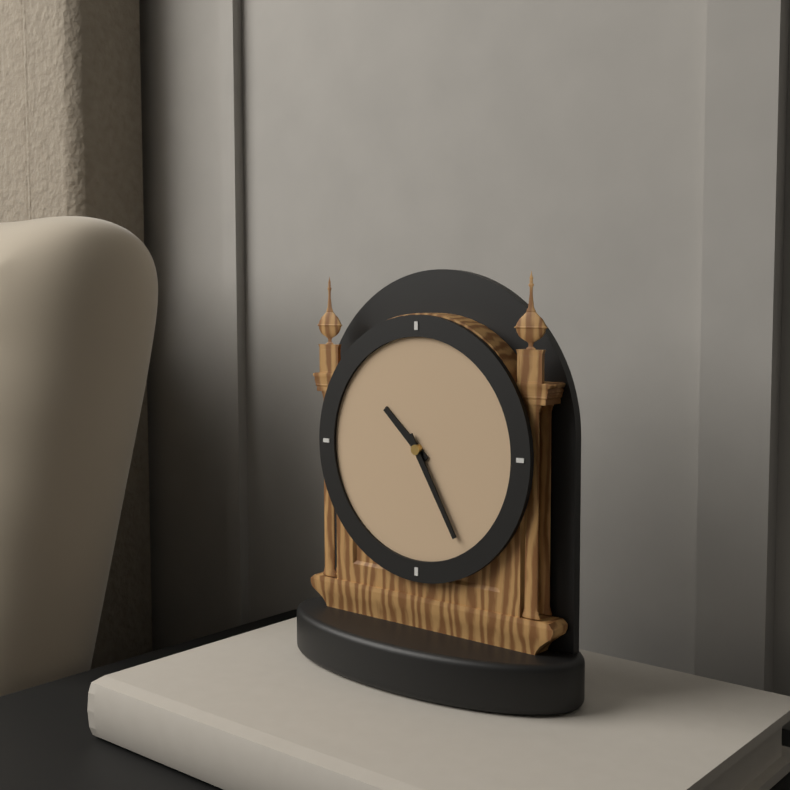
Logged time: 10,25
